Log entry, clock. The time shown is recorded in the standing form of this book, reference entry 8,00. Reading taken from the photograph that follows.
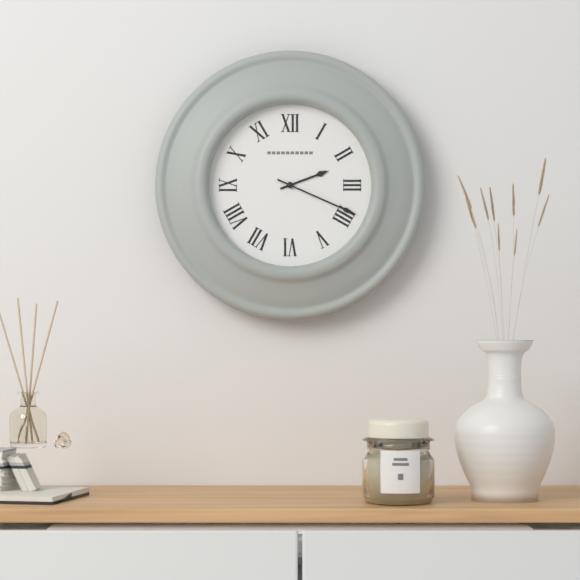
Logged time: 2,19
